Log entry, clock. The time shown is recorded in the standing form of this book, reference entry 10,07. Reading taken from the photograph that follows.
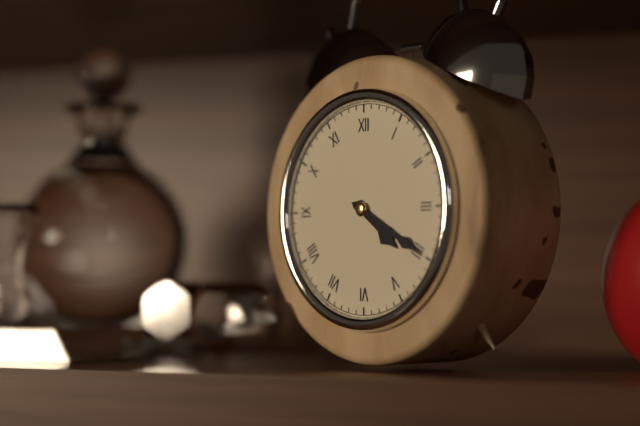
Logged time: 4,20
